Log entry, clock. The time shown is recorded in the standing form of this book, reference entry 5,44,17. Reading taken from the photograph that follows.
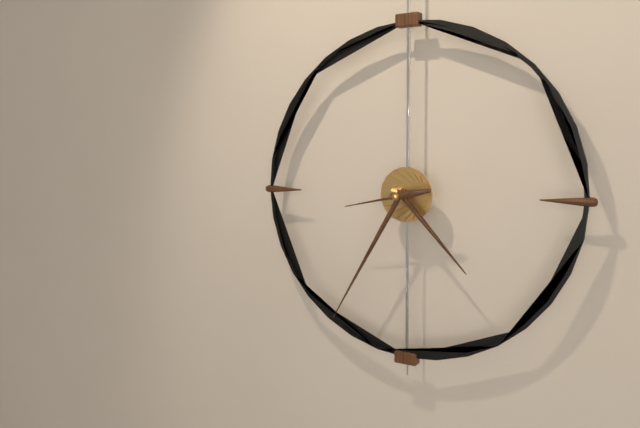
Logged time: 4,35,43
